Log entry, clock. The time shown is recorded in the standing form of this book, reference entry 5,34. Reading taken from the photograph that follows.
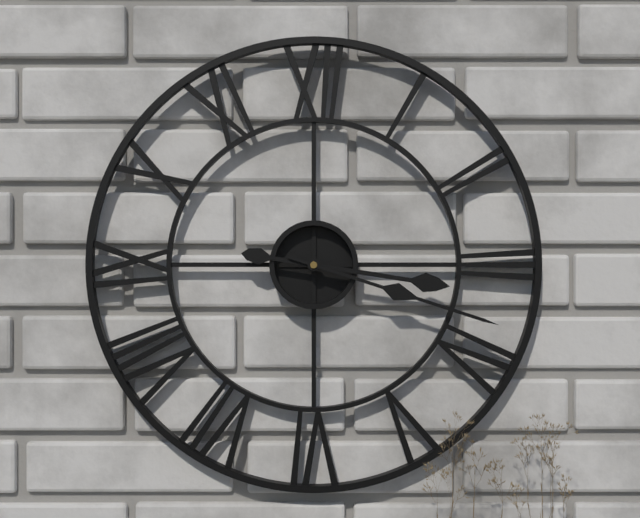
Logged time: 3,18
